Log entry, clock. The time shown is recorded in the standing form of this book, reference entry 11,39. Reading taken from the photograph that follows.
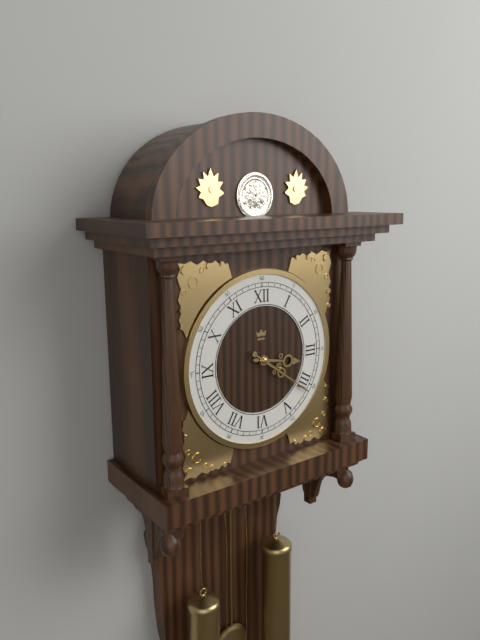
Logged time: 3,21
